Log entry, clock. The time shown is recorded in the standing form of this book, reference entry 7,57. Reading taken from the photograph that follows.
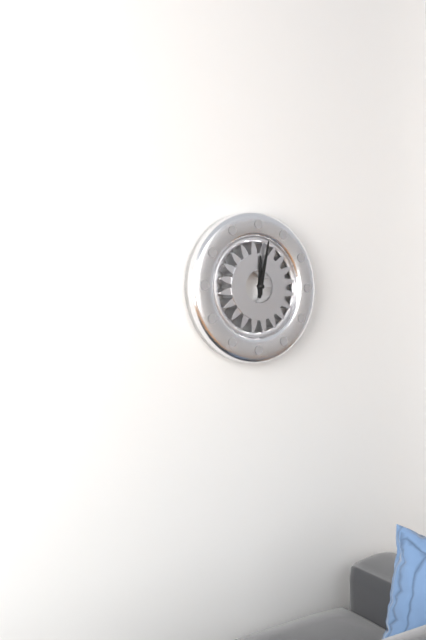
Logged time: 12,02
